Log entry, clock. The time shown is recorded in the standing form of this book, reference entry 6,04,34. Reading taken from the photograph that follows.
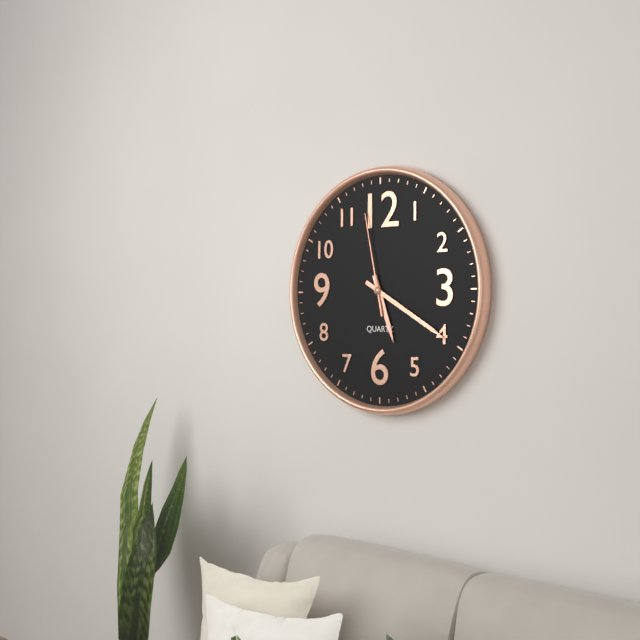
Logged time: 5,20,58
